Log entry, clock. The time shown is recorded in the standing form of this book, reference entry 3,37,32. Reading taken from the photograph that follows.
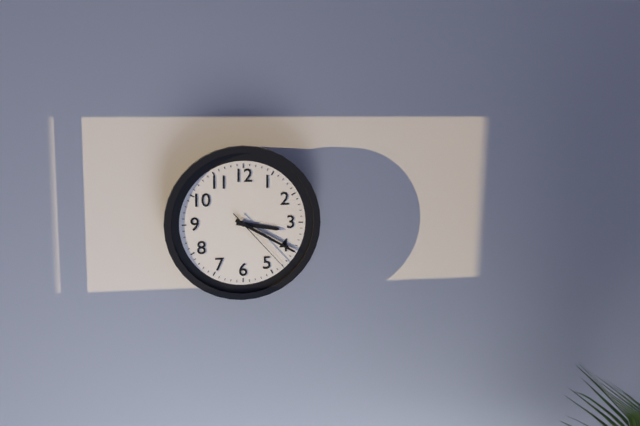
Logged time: 3,20,23
